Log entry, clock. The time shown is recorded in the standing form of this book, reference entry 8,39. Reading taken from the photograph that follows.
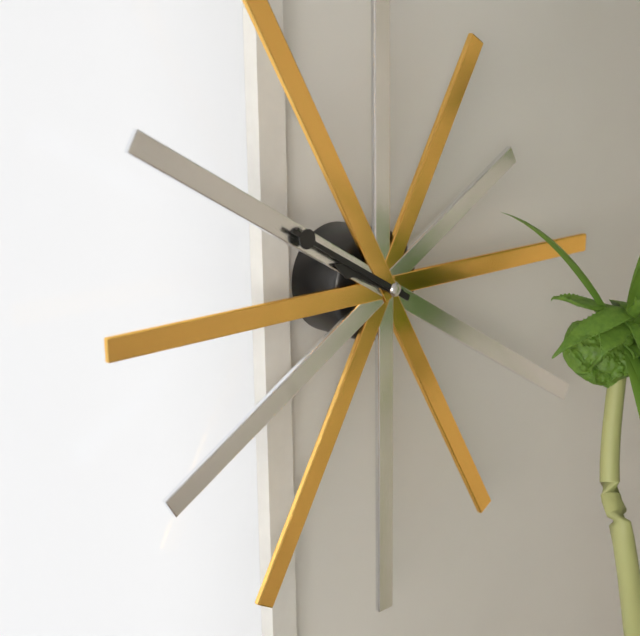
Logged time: 9,50
